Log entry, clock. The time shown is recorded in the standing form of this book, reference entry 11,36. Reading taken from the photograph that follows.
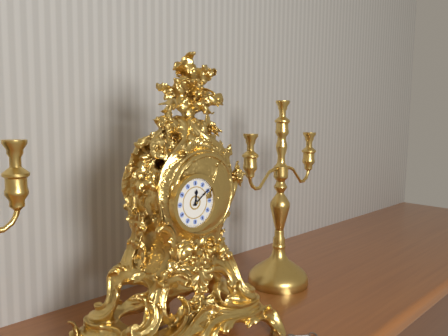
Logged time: 12,09
